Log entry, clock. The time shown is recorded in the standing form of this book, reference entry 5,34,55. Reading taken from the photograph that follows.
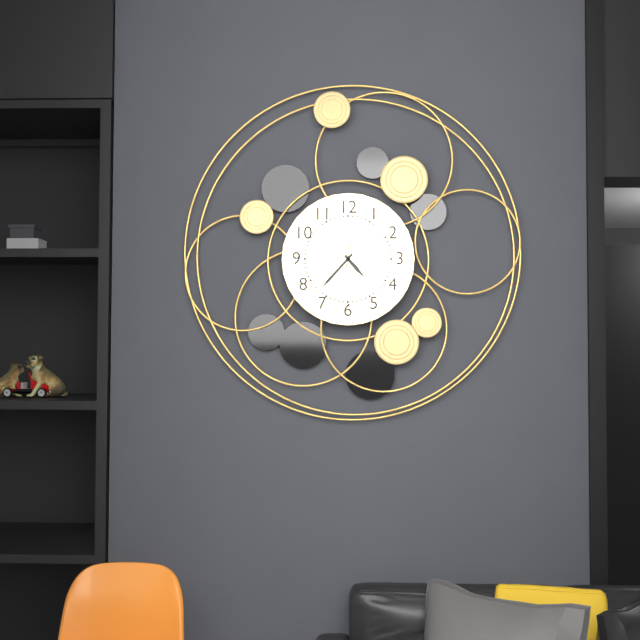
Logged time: 4,37,02
